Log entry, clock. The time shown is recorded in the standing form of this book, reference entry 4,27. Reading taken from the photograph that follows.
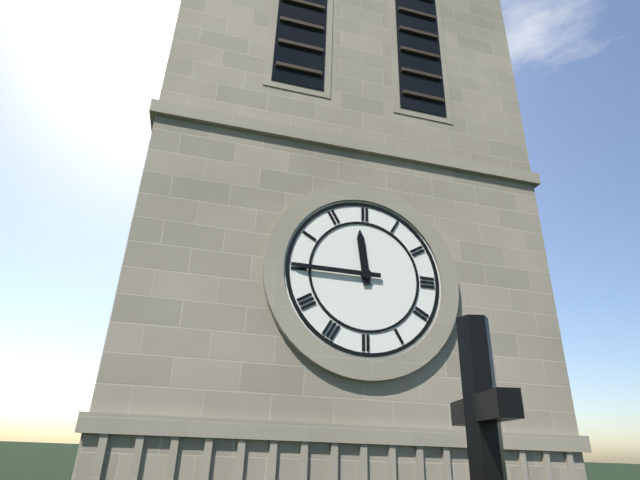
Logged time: 11,45
